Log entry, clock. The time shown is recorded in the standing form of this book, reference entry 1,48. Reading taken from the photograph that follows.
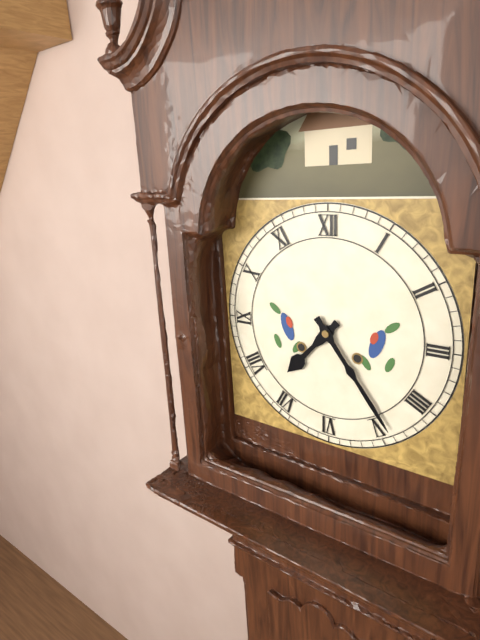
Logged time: 7,24
